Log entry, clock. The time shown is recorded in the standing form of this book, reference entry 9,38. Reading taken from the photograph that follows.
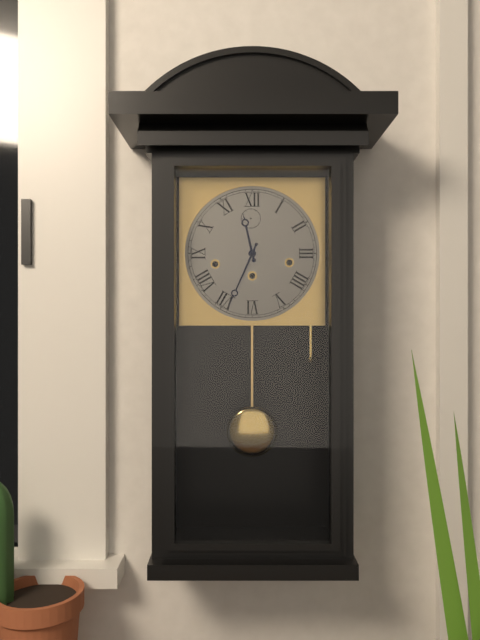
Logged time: 11,34
